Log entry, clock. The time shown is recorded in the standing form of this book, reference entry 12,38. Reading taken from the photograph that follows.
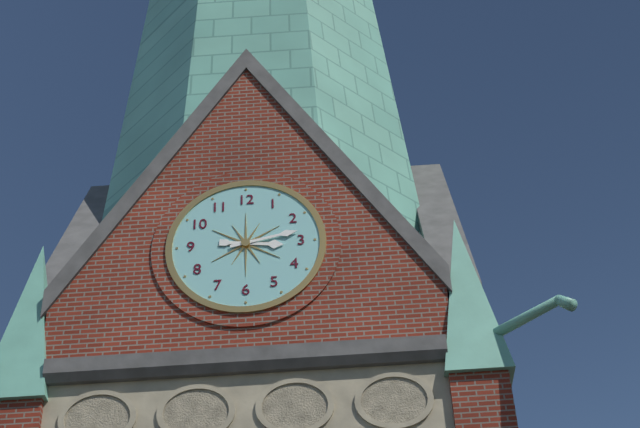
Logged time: 3,13
